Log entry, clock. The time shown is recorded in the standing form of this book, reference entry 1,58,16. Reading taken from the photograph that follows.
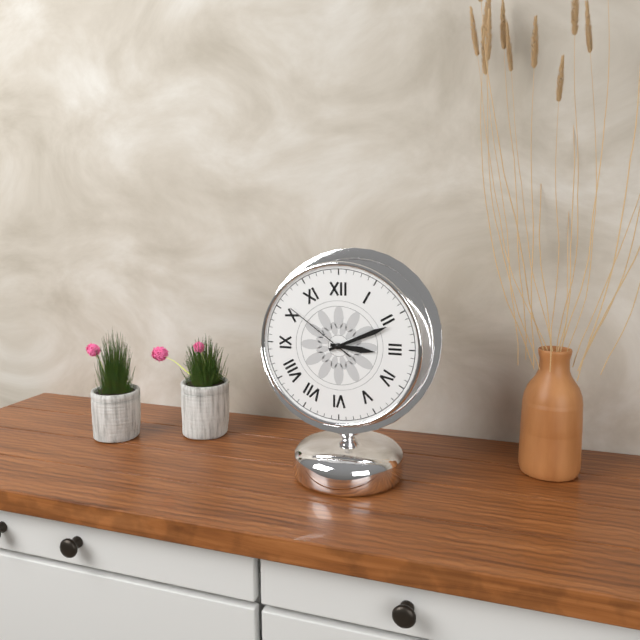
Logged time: 3,11,51
